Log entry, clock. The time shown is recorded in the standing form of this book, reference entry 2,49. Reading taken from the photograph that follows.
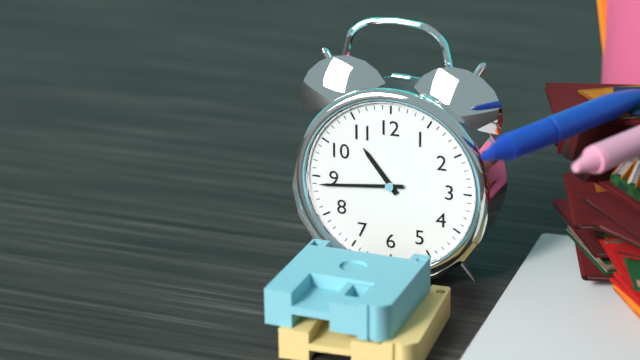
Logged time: 10,44
